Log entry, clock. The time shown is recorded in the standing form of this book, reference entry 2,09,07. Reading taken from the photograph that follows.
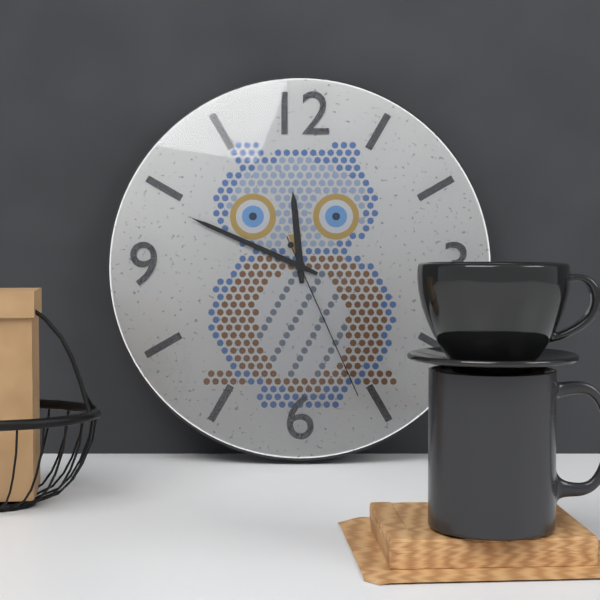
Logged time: 11,49,26
